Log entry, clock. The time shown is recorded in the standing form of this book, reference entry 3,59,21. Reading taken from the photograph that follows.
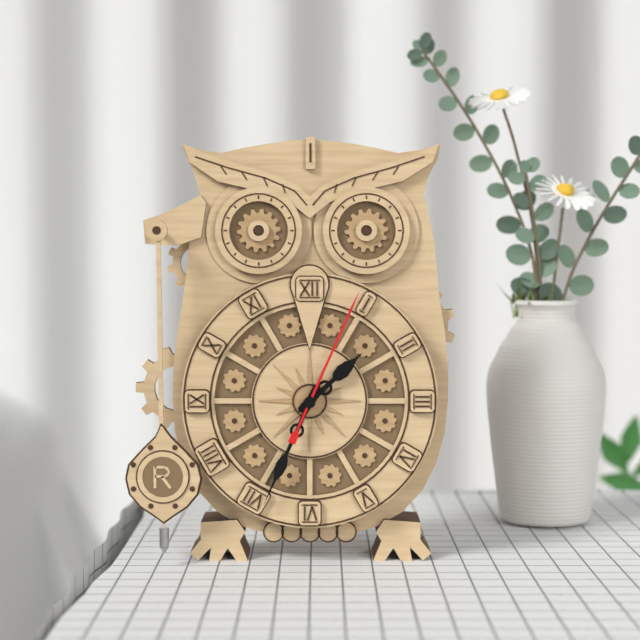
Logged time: 1,34,04
